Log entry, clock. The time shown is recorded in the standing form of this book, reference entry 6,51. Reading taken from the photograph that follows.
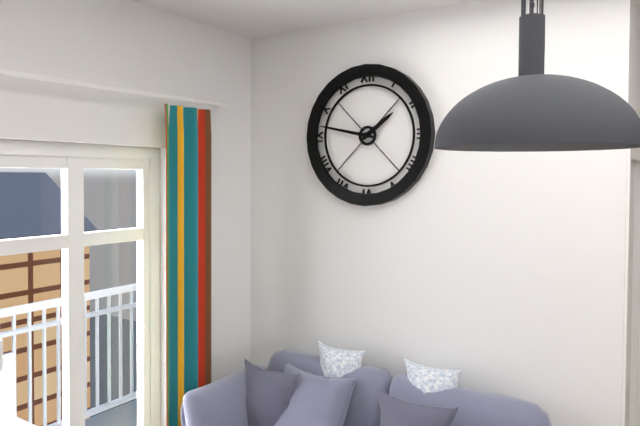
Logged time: 1,47
